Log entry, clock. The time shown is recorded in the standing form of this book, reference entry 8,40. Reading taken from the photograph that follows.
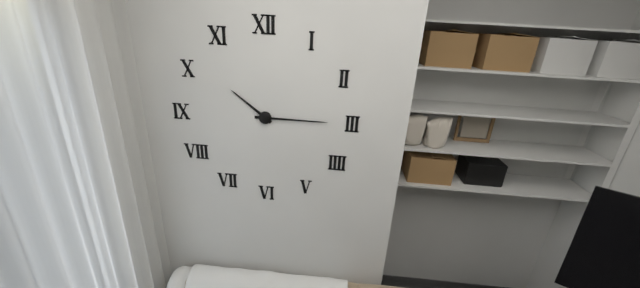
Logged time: 10,15
